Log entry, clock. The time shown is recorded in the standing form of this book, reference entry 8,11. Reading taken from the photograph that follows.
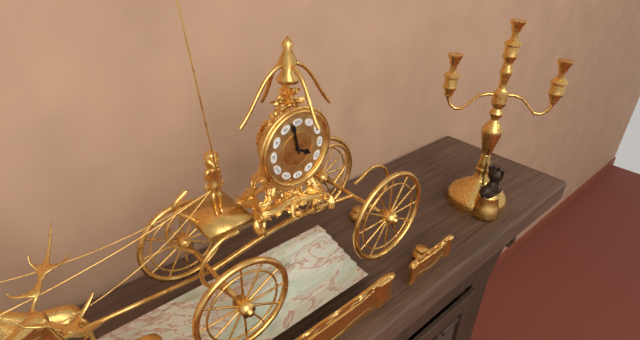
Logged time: 3,58
